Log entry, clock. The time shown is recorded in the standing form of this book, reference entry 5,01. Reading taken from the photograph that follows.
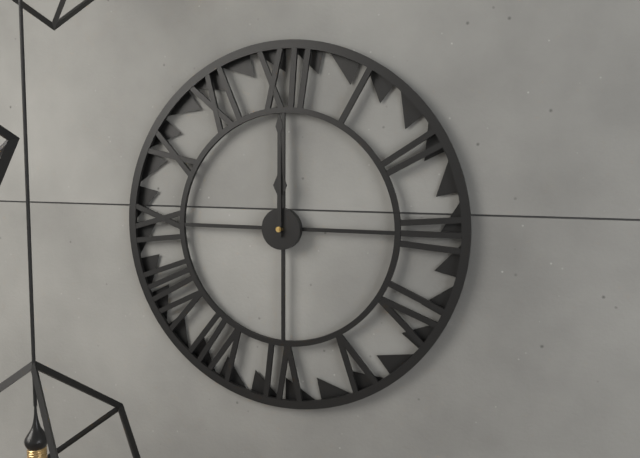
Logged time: 12,00
